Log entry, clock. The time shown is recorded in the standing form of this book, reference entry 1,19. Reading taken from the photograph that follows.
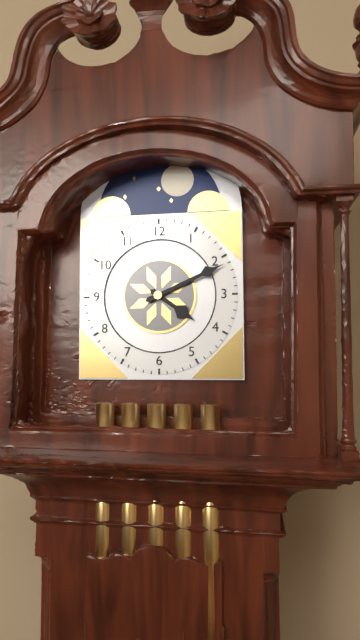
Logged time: 4,11
